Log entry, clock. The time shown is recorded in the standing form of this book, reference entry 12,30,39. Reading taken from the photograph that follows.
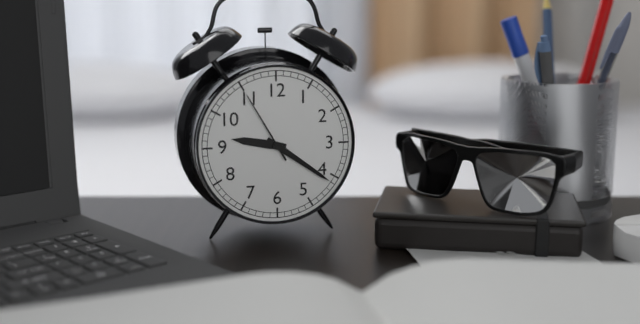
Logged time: 9,21,55
